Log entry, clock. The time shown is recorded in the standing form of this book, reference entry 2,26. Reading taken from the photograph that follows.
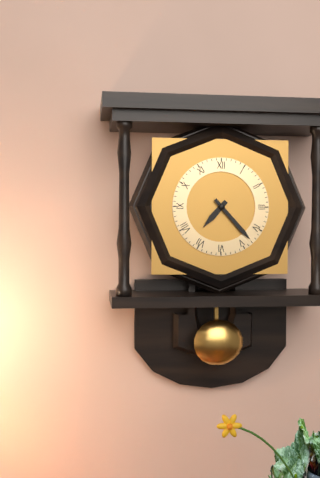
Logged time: 7,23
